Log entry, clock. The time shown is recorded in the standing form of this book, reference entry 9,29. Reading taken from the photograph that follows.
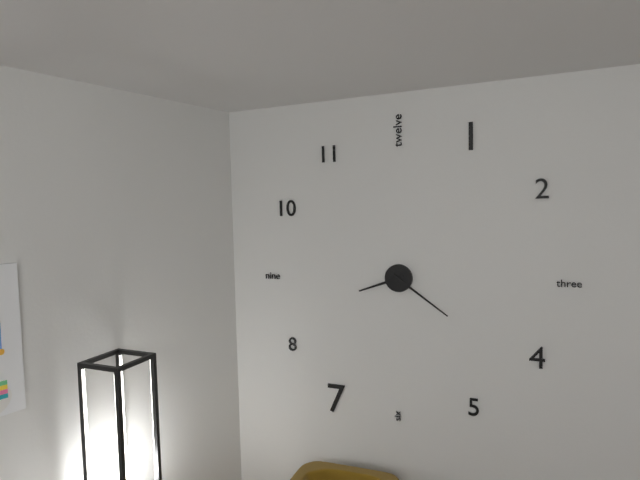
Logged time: 8,21
